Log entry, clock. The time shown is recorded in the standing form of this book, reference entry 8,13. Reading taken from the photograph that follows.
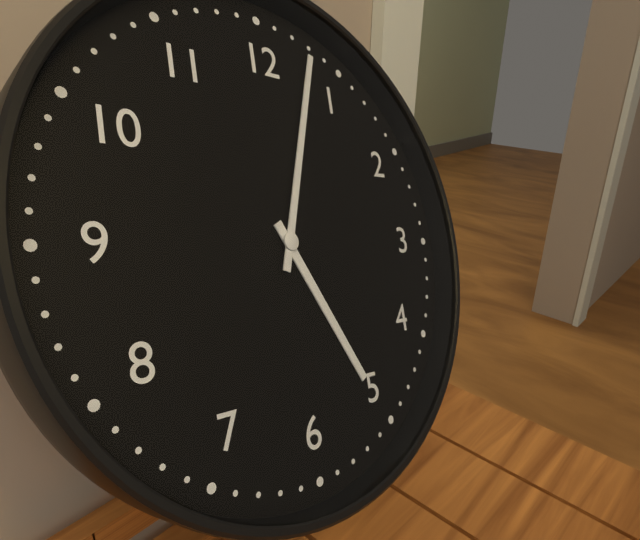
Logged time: 5,03
